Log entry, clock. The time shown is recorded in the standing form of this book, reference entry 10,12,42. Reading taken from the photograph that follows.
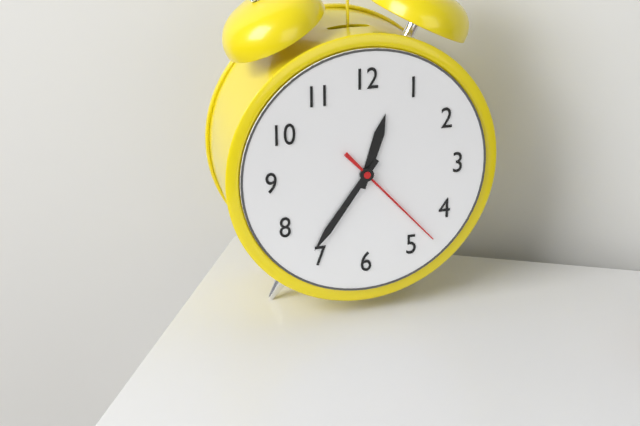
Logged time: 12,36,23
